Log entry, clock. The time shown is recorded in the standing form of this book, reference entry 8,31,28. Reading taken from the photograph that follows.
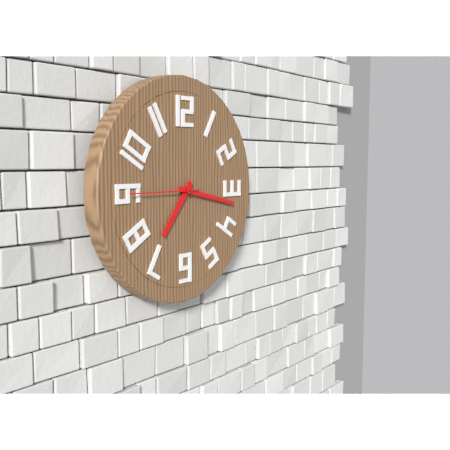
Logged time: 7,17,45
